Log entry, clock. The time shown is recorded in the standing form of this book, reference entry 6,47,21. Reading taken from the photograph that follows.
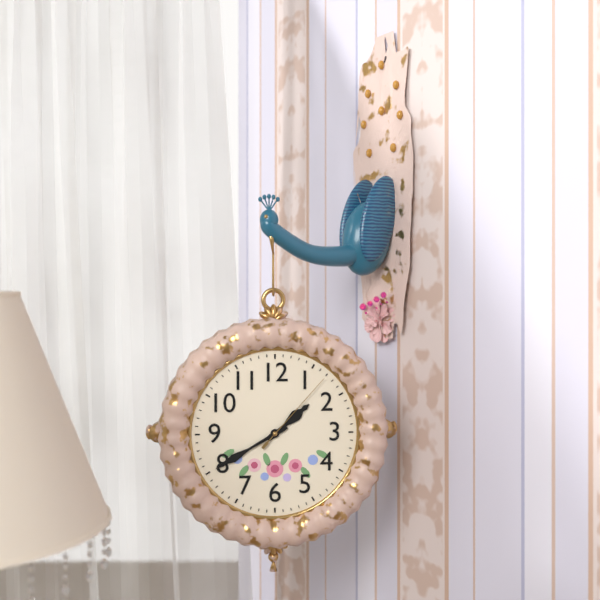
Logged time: 1,40,07
